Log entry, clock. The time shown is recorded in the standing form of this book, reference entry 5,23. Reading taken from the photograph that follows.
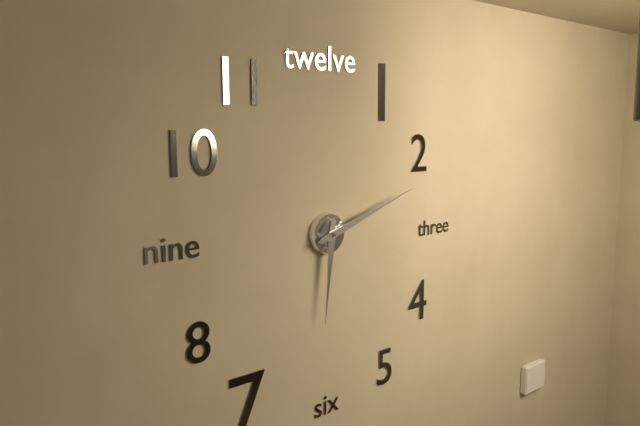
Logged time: 6,12
